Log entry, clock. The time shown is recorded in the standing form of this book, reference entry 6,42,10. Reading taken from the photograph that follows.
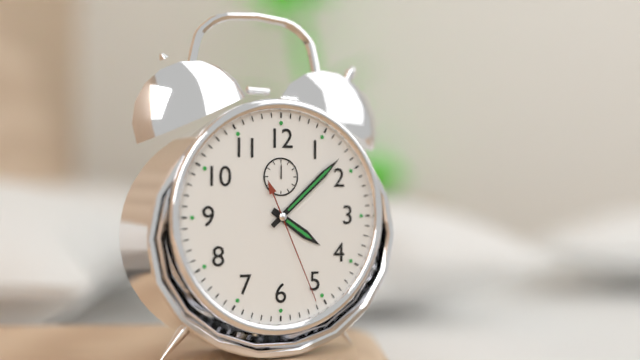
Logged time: 4,08,26
